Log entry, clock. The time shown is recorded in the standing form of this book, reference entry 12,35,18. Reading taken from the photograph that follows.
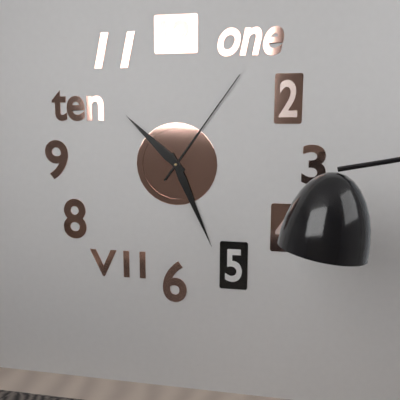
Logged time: 10,26,06
